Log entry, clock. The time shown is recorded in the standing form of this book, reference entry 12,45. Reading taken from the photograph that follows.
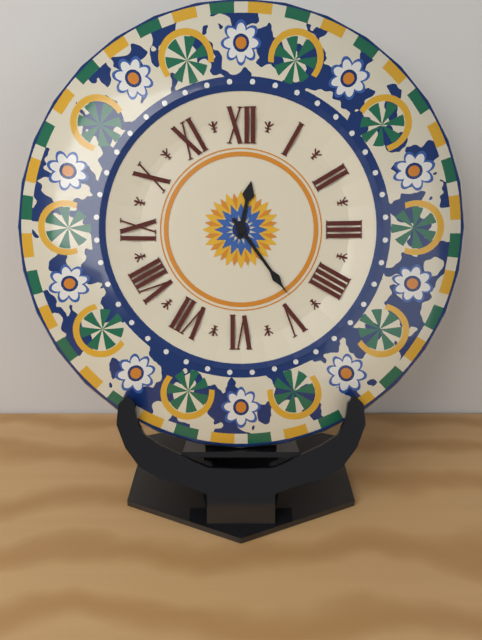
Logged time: 12,24
